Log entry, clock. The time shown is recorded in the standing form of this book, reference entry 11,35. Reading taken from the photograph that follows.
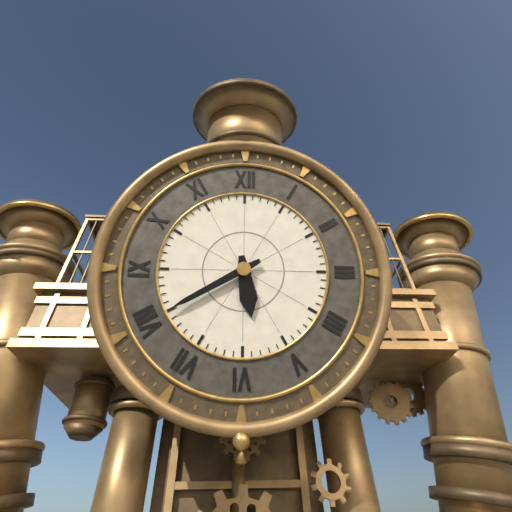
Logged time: 5,40
